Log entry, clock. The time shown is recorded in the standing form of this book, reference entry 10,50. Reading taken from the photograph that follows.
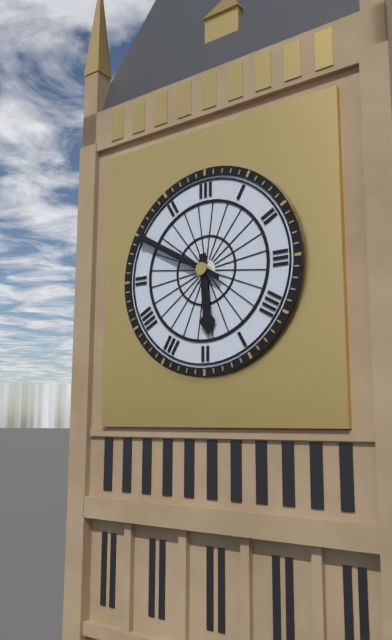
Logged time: 5,50
